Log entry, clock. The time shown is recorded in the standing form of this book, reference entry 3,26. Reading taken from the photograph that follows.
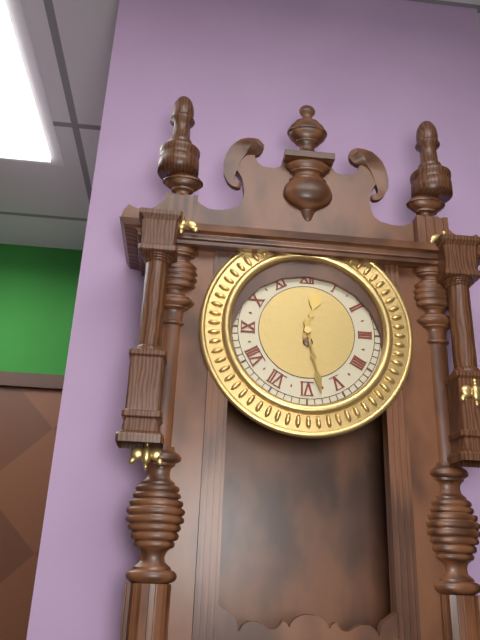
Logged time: 12,28
